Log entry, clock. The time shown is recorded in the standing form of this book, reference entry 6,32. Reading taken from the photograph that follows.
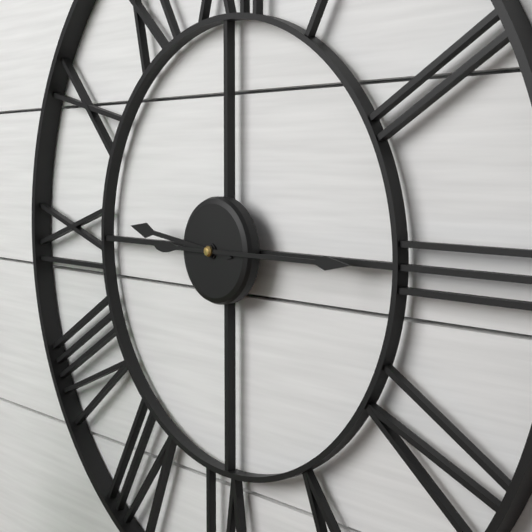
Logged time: 9,15
